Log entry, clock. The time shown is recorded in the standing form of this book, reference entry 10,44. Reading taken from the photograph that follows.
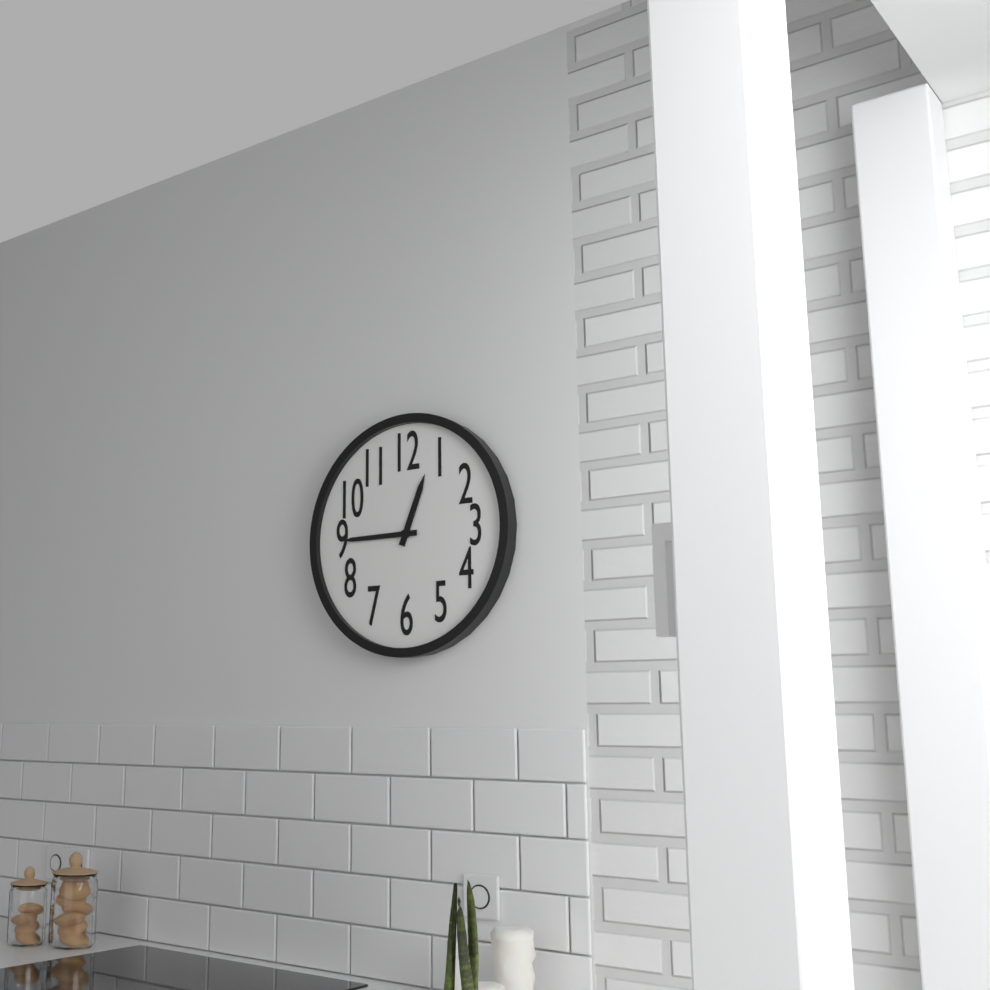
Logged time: 12,45
